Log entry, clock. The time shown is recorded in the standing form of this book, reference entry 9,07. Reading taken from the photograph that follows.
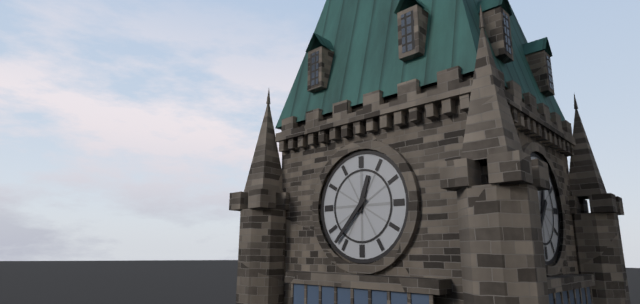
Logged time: 12,37
